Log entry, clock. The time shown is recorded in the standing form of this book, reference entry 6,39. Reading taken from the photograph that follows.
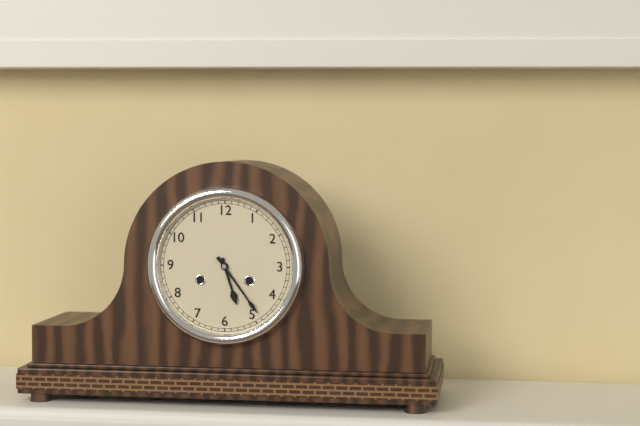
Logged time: 5,24
